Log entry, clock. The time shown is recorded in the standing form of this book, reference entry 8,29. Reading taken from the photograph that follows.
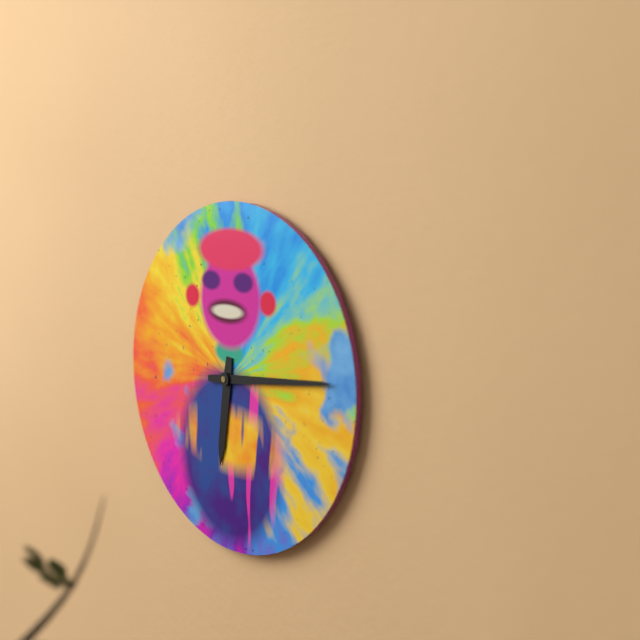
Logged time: 6,14
